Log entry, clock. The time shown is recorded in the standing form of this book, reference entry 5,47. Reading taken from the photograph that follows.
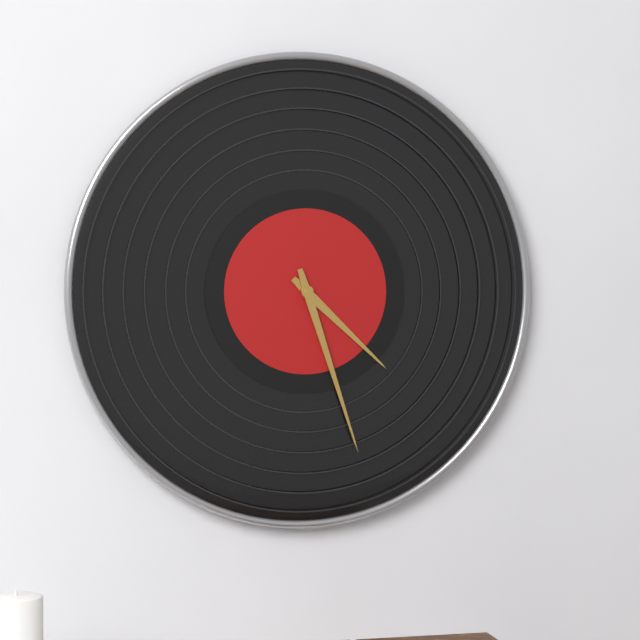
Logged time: 4,27
